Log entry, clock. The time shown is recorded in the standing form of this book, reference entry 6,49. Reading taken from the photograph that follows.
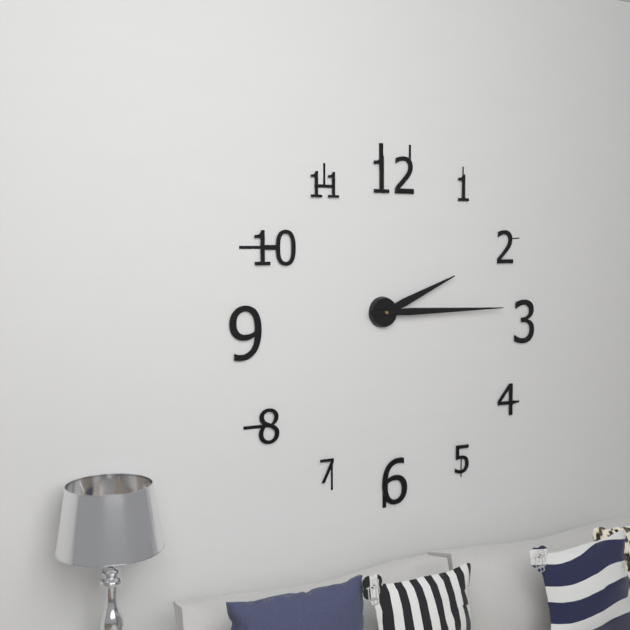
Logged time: 2,15
